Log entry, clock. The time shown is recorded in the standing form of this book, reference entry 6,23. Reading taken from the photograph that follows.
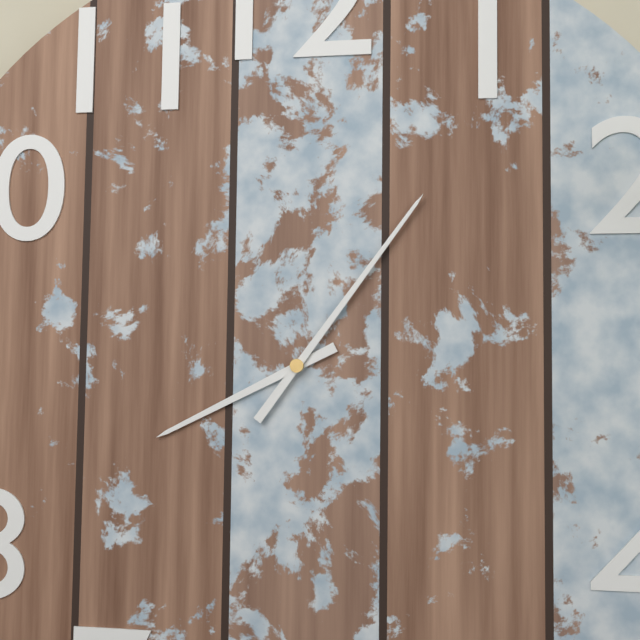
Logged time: 8,06
